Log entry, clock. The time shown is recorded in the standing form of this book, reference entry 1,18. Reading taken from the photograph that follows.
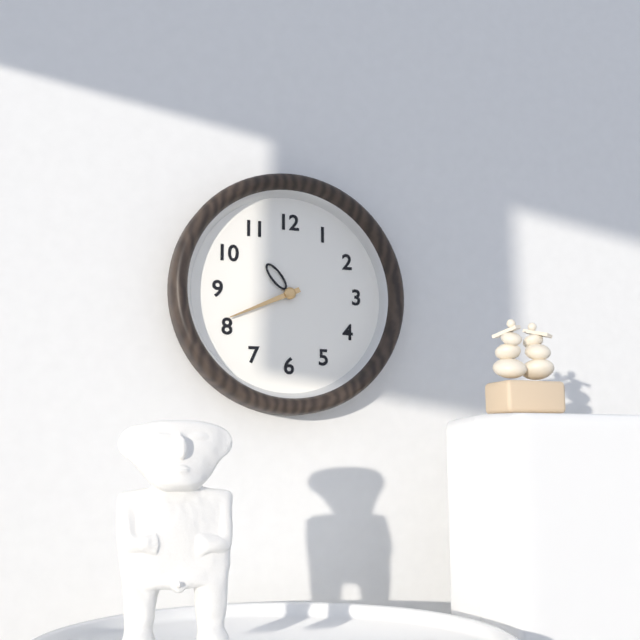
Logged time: 10,41
